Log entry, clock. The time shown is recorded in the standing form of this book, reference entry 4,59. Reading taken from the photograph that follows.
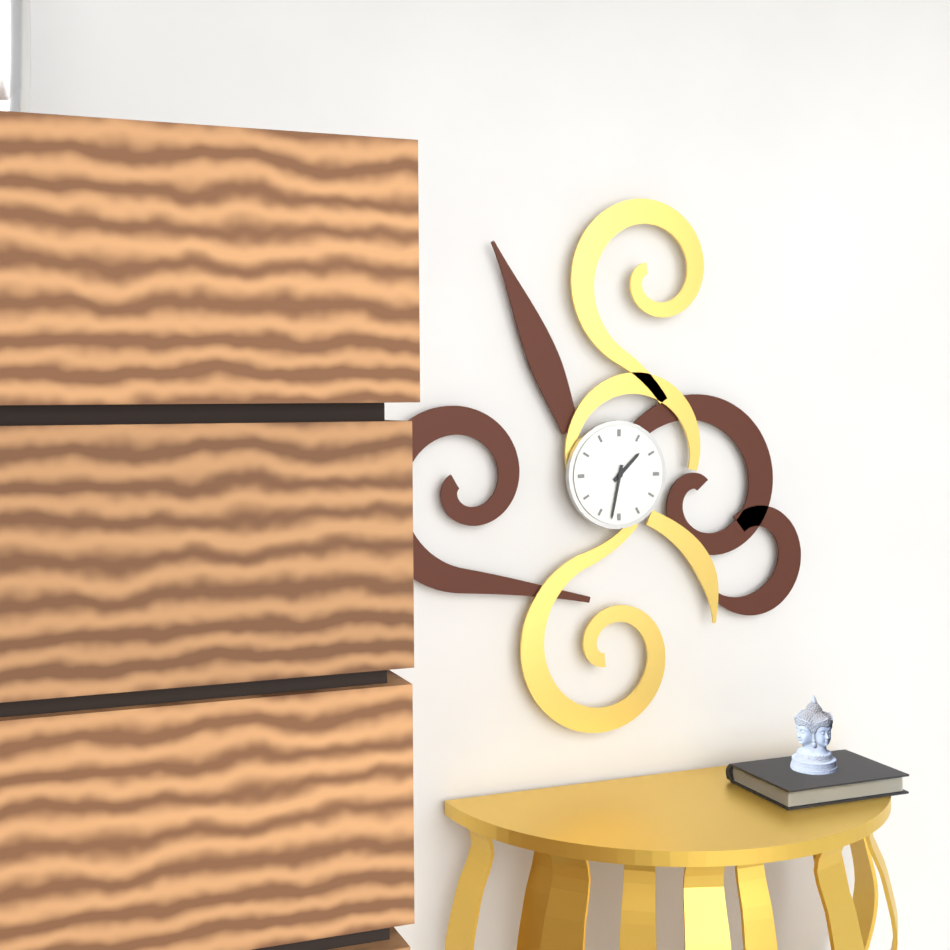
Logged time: 1,32
